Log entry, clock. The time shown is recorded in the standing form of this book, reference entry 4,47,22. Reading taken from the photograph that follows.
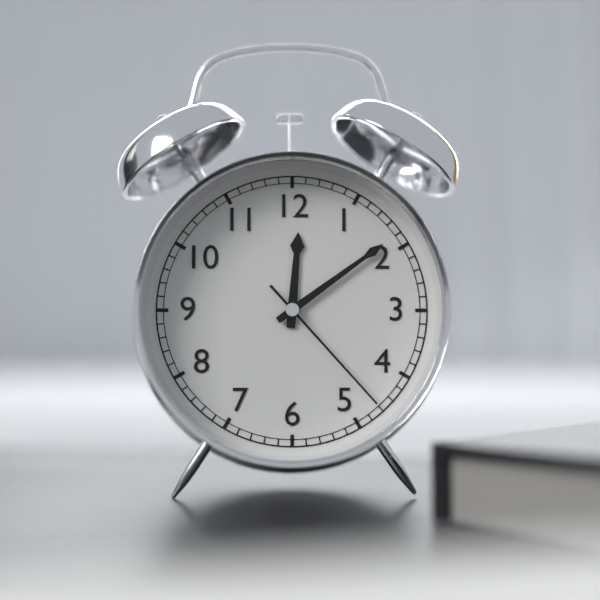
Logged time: 12,09,23
